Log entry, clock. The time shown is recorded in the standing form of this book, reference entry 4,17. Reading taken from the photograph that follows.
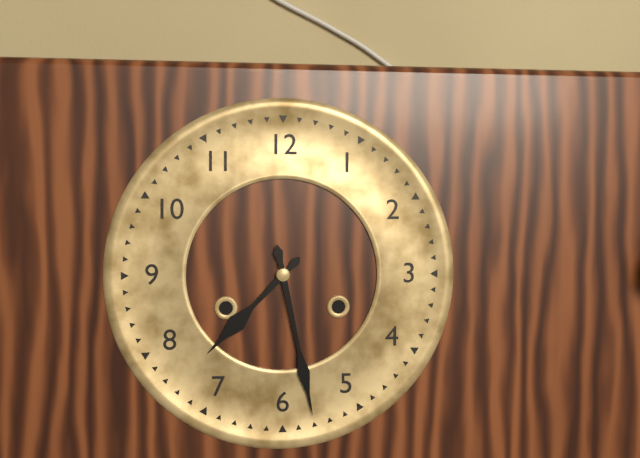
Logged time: 7,28
